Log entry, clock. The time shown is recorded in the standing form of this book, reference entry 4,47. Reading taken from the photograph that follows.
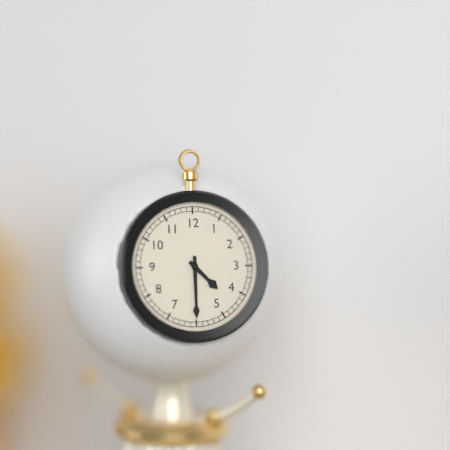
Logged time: 4,30
